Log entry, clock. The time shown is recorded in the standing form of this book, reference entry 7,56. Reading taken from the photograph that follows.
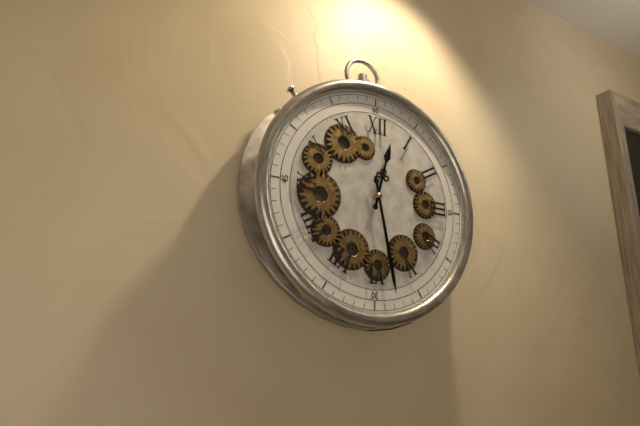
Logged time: 12,28
